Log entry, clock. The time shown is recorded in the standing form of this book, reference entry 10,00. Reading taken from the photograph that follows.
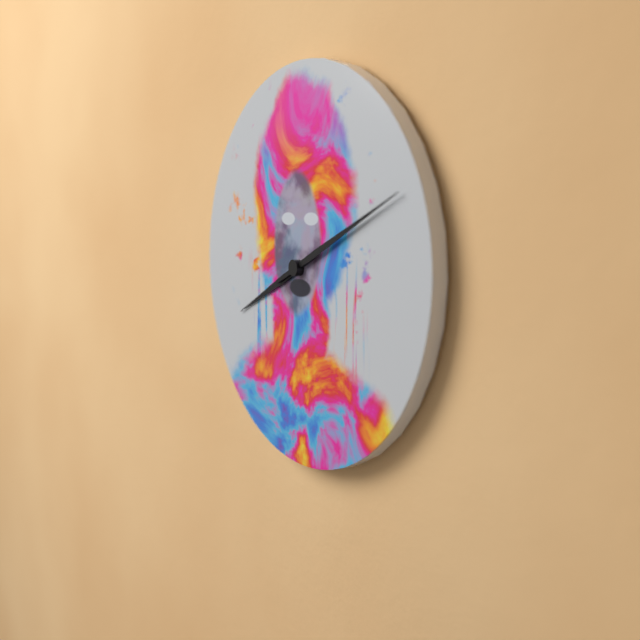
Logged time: 8,11
